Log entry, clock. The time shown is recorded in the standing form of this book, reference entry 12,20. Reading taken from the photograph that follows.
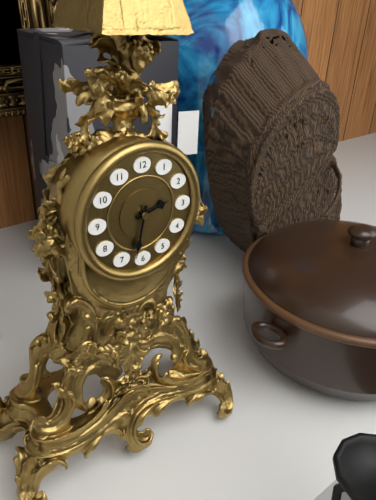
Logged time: 2,32
